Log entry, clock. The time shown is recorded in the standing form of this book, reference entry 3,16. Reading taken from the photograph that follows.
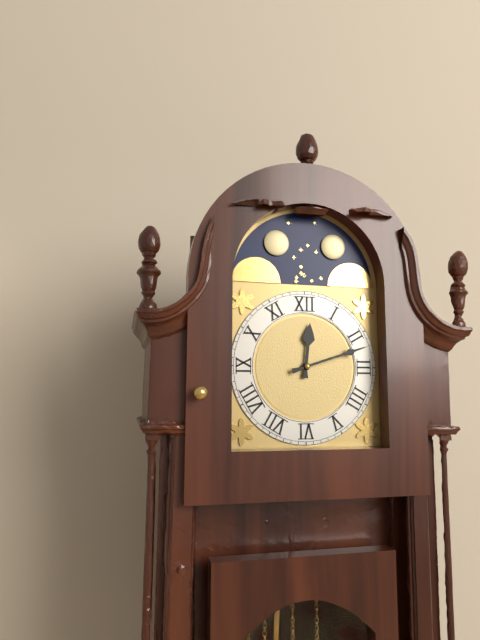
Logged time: 12,12
